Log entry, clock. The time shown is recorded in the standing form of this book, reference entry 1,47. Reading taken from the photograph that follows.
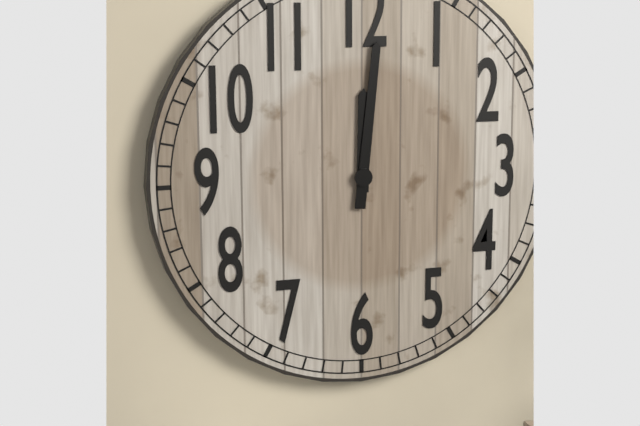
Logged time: 12,01
